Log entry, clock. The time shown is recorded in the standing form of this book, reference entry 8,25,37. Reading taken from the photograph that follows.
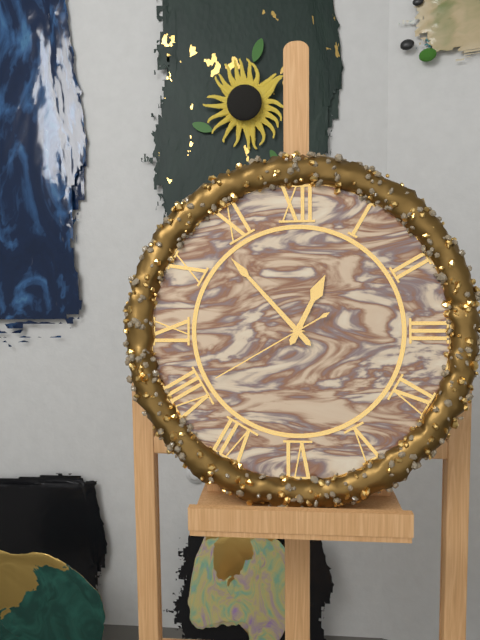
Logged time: 12,53,40
